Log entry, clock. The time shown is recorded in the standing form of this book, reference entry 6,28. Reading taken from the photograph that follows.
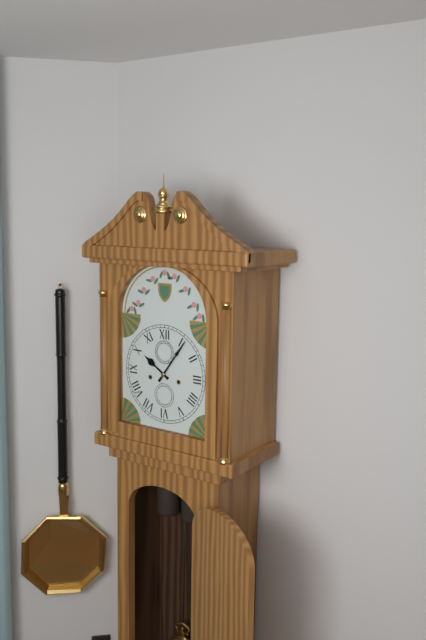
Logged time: 10,06
